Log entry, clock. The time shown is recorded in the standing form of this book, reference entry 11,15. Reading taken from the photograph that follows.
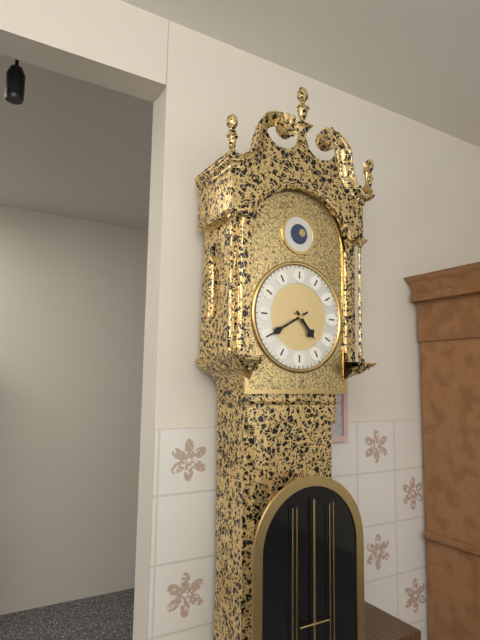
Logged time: 4,40
